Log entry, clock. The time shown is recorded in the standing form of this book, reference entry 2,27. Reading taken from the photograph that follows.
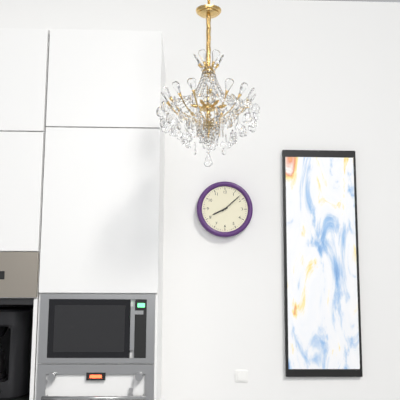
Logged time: 8,08
